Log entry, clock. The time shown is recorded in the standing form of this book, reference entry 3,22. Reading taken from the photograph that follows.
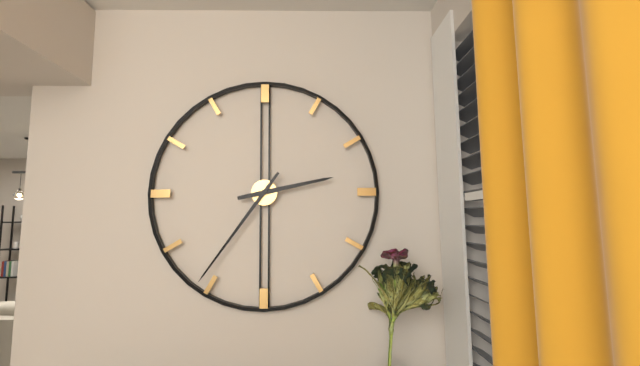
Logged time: 2,36
